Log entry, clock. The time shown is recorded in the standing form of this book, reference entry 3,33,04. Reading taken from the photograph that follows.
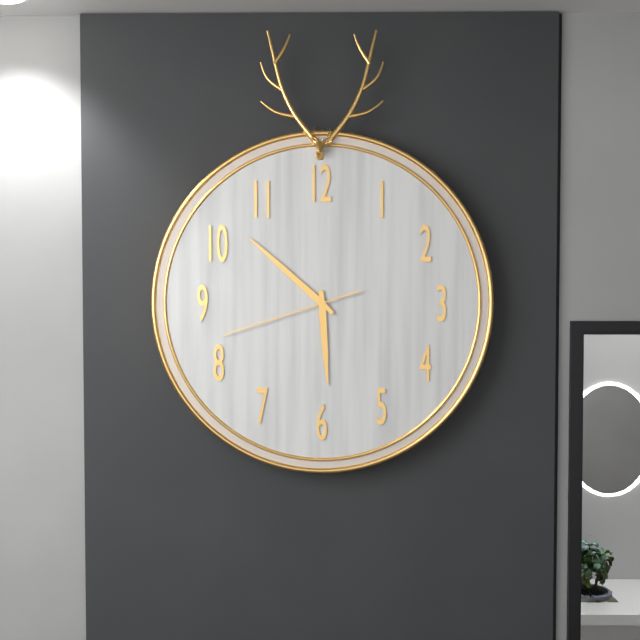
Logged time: 5,52,42
